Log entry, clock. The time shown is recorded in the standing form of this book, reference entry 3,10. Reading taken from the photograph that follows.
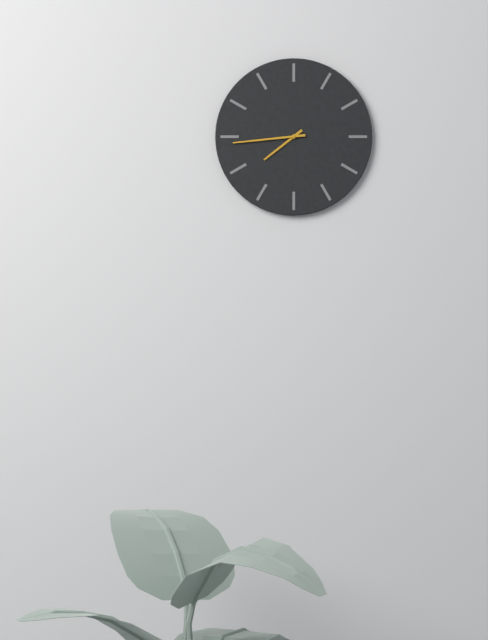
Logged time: 7,44
